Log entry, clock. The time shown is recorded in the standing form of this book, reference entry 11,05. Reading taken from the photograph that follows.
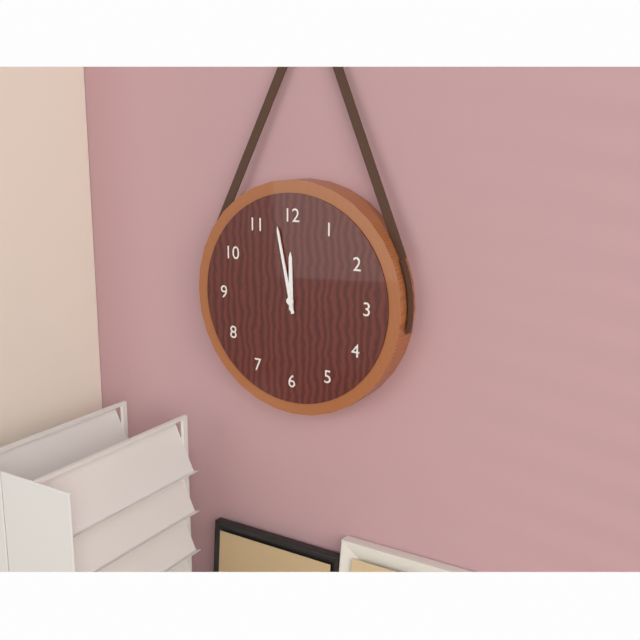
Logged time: 11,58
